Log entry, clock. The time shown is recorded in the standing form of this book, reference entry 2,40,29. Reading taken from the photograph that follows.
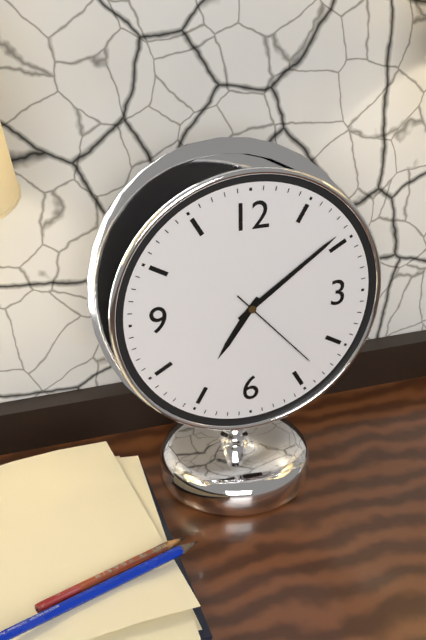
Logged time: 7,09,23
